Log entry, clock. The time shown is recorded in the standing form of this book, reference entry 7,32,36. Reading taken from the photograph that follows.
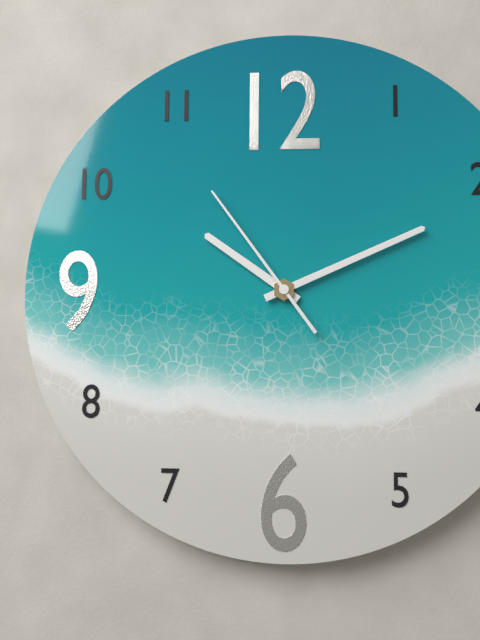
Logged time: 10,11,54
